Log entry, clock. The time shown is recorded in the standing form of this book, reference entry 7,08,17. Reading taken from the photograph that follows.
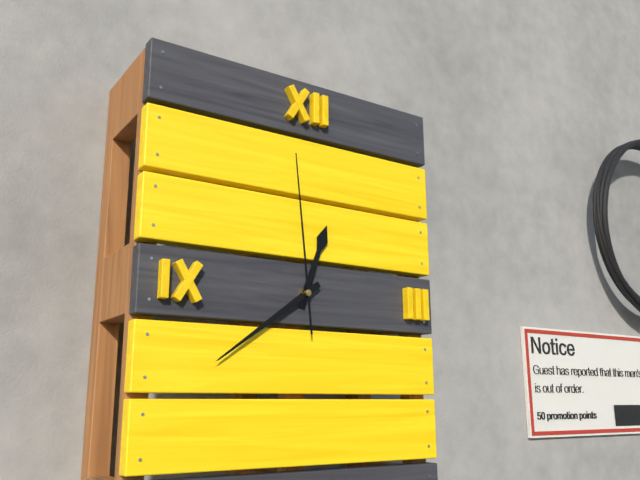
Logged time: 12,39,59
